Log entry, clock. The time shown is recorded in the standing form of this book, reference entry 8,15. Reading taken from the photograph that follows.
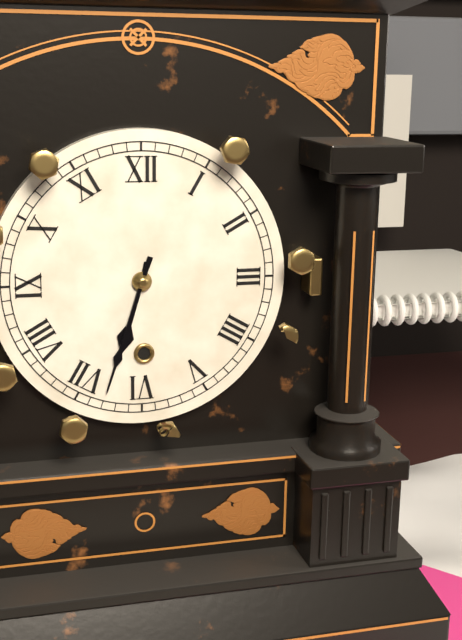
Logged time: 6,33
